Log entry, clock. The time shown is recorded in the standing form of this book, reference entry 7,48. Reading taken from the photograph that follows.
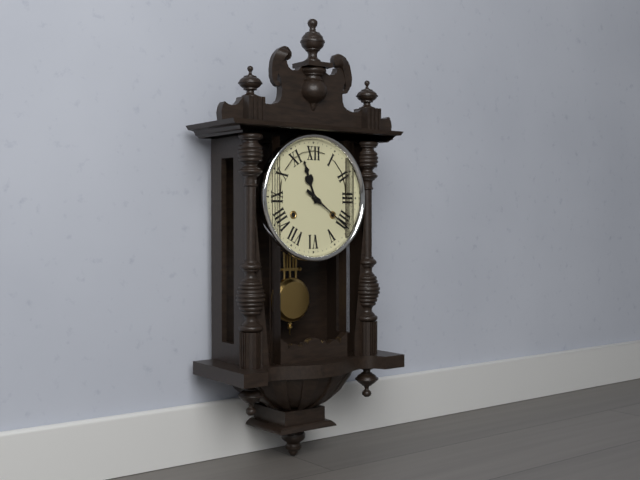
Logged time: 11,21
